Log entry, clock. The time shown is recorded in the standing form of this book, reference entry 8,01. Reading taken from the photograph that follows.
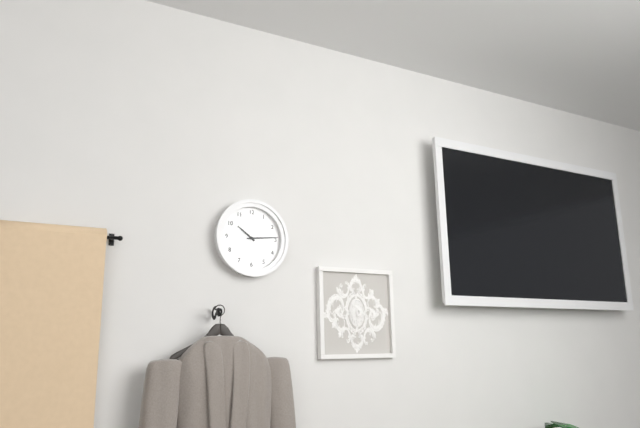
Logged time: 10,14
